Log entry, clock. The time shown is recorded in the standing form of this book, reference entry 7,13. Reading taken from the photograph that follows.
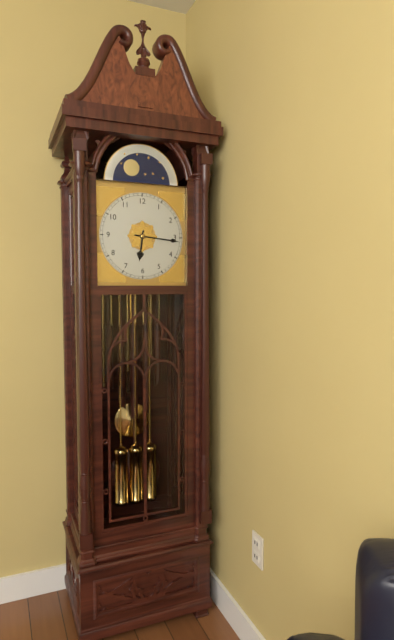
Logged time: 6,16
